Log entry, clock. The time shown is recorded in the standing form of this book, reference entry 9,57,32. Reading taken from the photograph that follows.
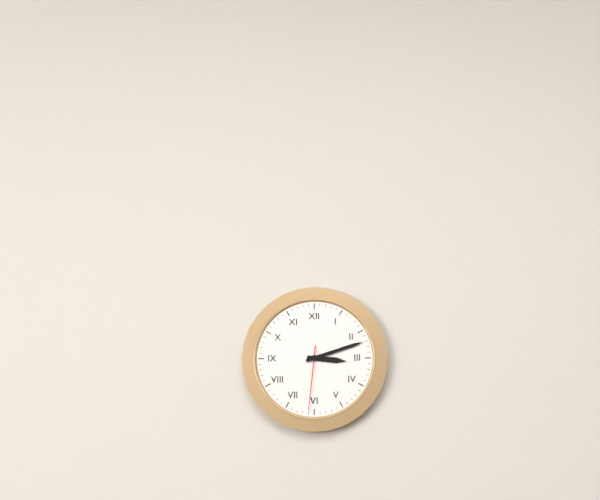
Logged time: 3,12,31
